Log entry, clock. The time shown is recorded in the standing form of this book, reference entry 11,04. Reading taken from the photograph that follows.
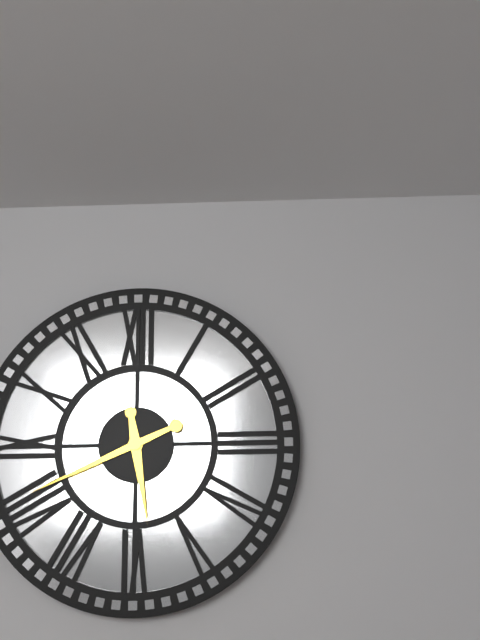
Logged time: 5,41
